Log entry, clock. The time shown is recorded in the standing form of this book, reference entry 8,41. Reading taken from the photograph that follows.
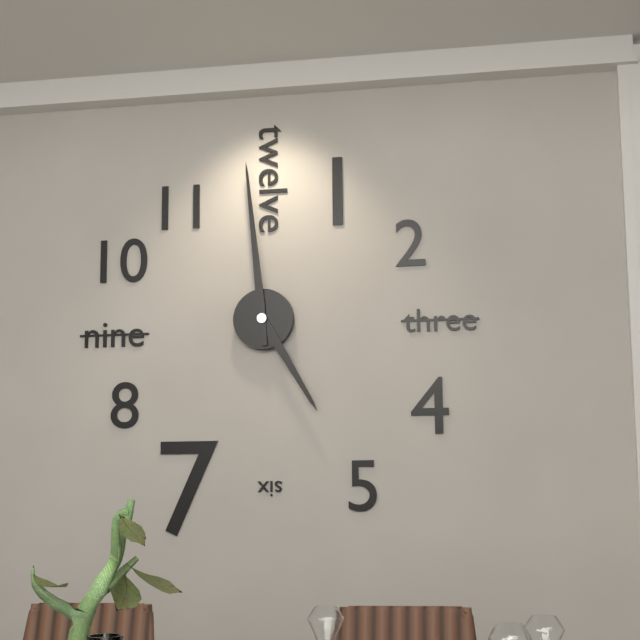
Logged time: 4,59
